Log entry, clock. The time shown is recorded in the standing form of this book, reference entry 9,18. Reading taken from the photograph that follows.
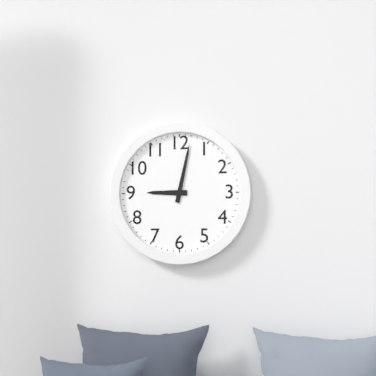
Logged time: 9,02
